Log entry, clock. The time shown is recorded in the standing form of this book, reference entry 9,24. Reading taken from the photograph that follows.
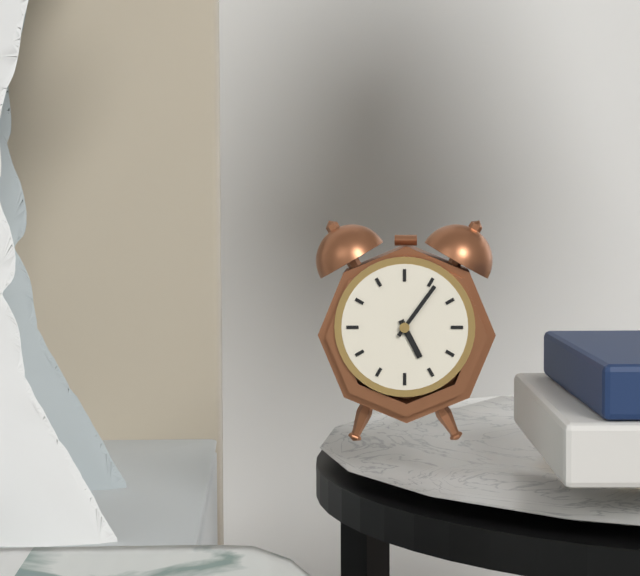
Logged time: 5,06
